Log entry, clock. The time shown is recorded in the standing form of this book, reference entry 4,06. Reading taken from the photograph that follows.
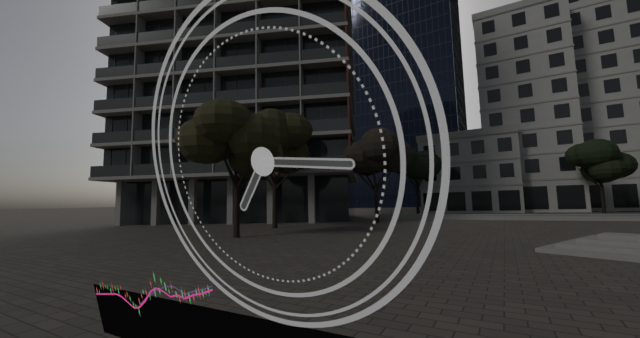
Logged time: 7,16
